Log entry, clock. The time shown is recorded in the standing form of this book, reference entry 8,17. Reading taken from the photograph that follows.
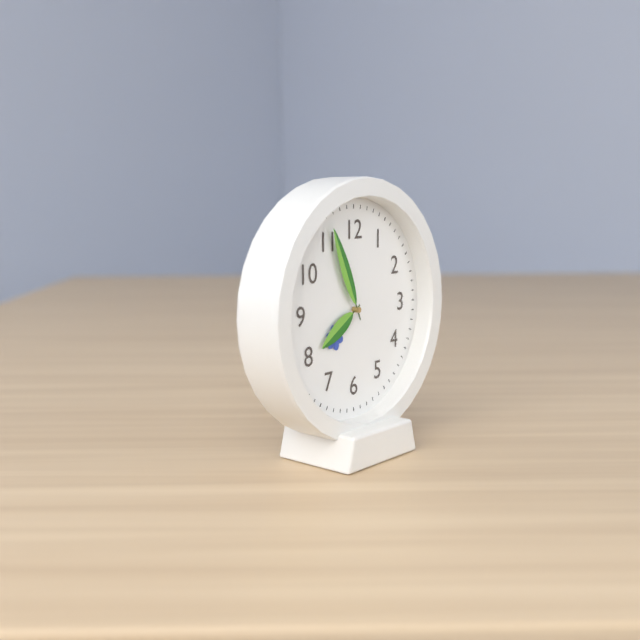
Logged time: 7,56
